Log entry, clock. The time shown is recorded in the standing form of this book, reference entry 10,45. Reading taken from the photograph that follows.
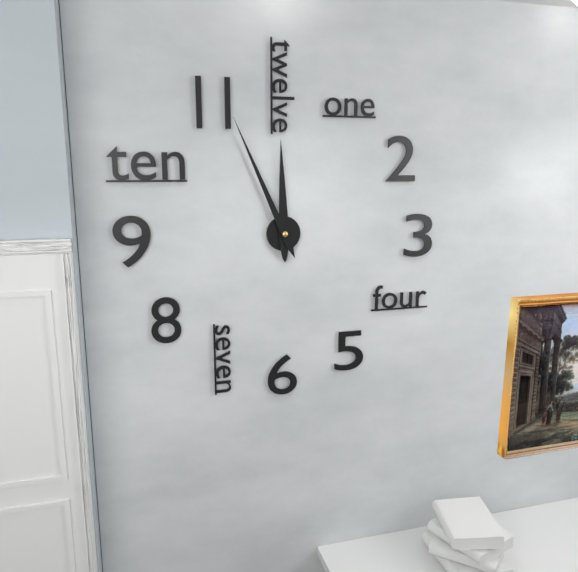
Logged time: 11,56
